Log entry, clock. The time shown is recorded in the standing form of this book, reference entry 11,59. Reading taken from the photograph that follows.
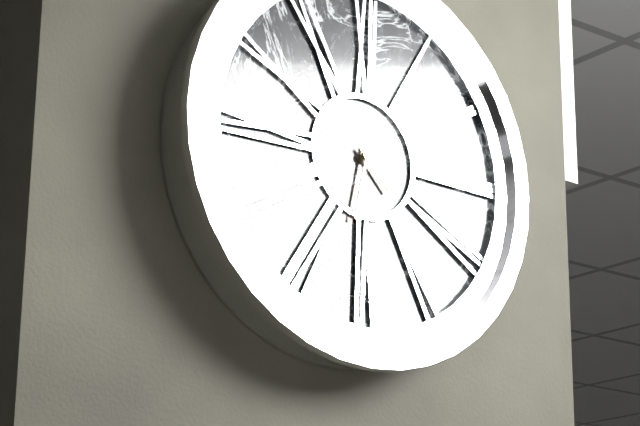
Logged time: 4,32
